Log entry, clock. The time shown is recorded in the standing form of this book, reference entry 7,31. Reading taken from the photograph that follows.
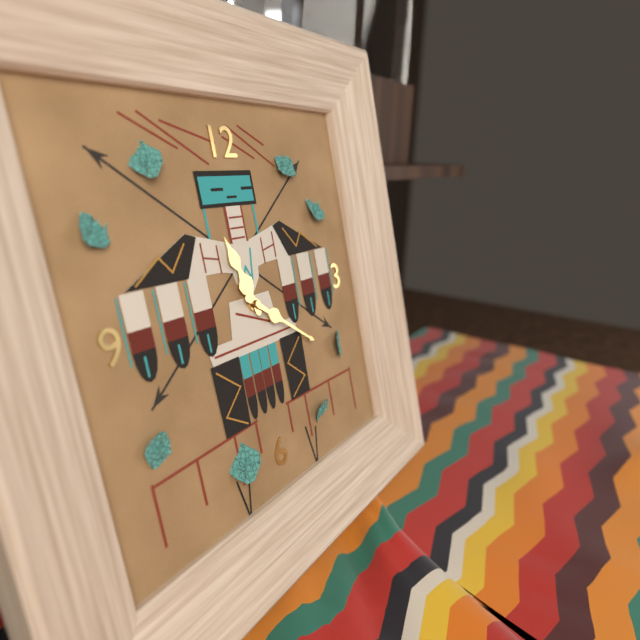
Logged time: 11,21
